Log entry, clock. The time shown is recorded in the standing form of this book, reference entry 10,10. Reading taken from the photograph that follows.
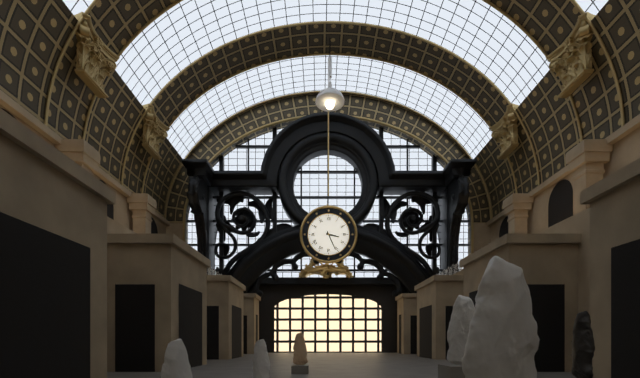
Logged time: 3,26
